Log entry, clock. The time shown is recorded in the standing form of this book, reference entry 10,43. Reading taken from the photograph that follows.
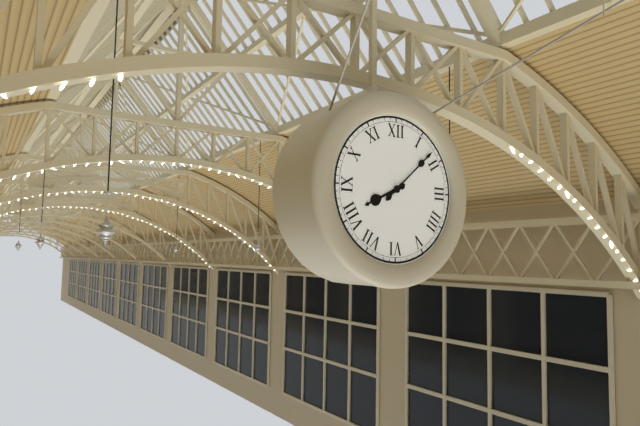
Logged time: 8,08
